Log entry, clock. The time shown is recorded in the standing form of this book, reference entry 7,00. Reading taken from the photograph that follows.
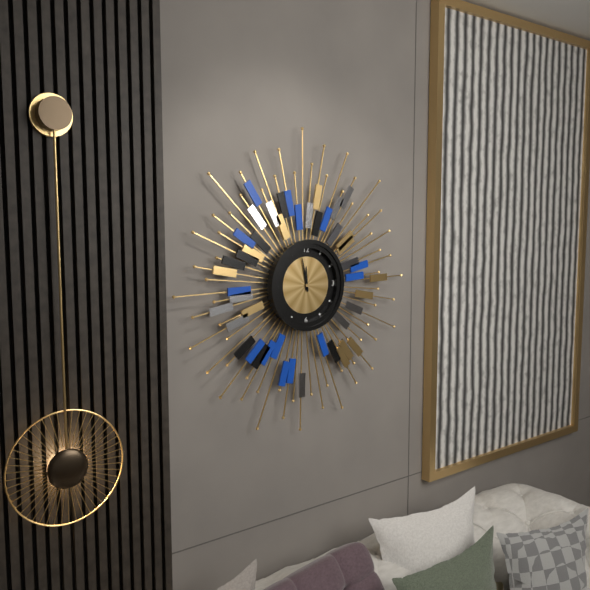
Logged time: 11,58
